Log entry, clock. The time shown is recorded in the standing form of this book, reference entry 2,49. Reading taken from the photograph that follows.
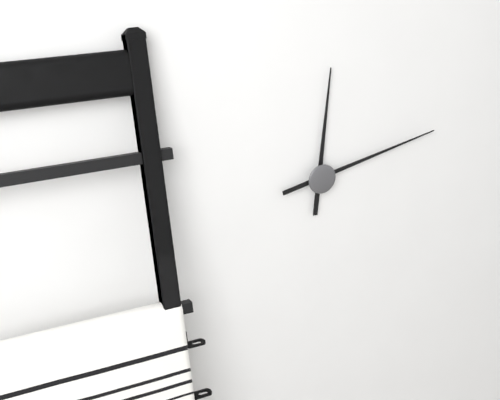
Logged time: 12,13
